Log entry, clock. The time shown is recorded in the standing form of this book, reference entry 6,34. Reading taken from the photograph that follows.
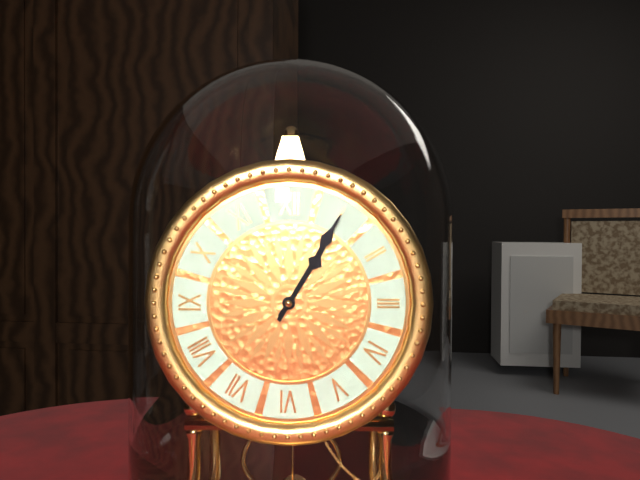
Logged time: 1,05
